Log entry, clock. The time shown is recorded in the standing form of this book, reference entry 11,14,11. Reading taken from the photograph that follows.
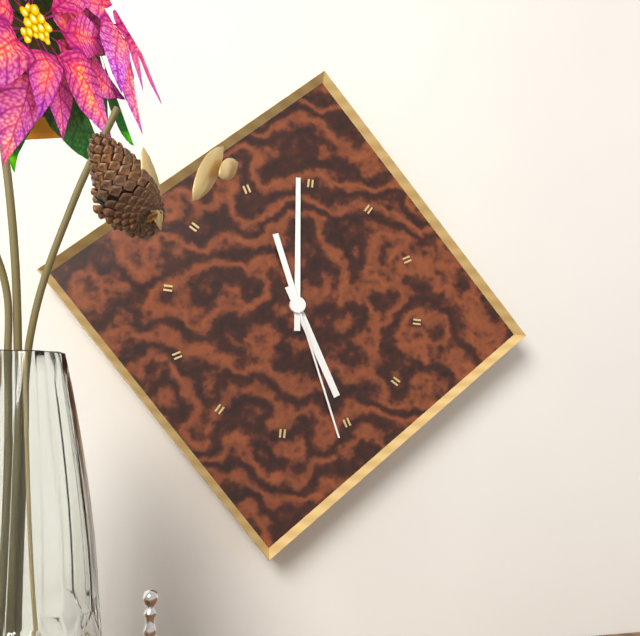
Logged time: 4,59,26
